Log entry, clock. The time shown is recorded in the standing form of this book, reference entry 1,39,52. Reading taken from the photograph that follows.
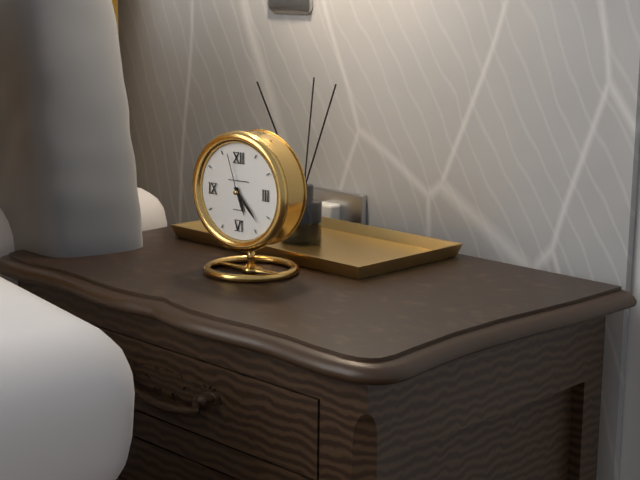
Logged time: 5,23,57
